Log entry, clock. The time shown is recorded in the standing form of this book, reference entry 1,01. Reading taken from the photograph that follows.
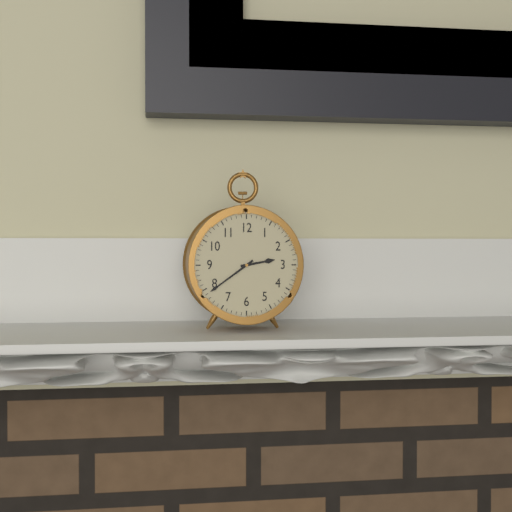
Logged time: 2,39
